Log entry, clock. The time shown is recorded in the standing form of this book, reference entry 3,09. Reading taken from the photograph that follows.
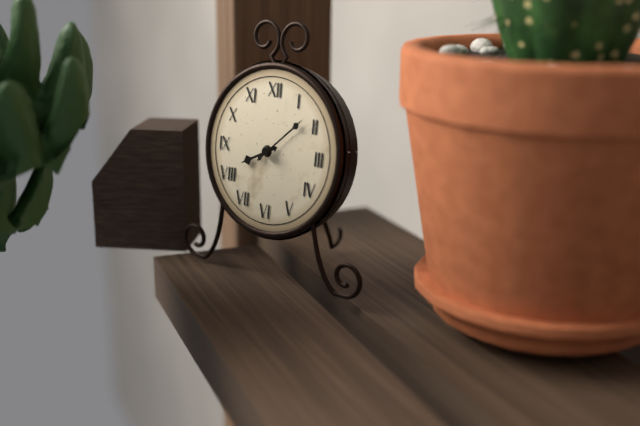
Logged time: 8,08
